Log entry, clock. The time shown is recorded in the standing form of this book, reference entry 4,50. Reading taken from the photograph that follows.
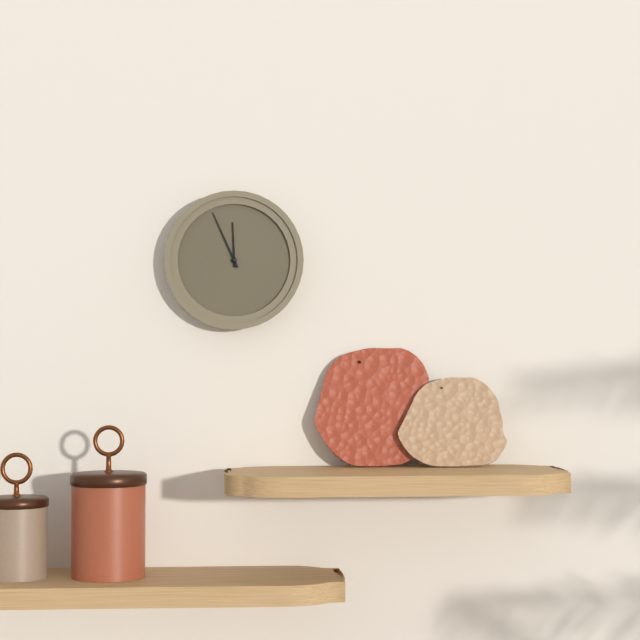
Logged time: 11,56
